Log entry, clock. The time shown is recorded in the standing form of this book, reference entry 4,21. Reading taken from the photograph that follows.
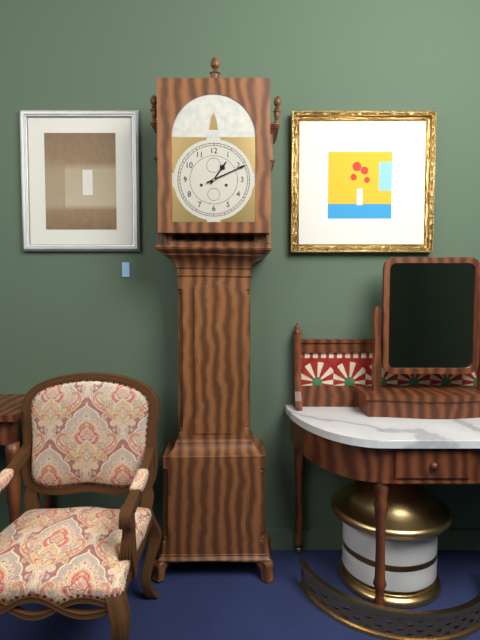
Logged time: 1,11
